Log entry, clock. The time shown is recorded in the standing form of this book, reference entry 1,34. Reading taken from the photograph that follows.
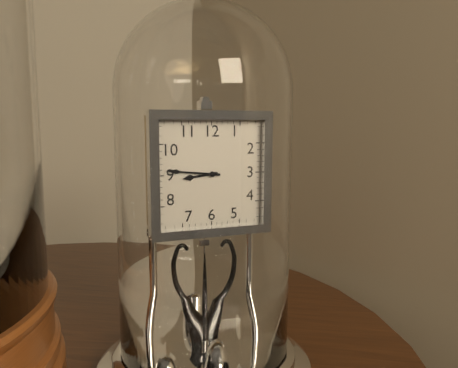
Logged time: 8,46
